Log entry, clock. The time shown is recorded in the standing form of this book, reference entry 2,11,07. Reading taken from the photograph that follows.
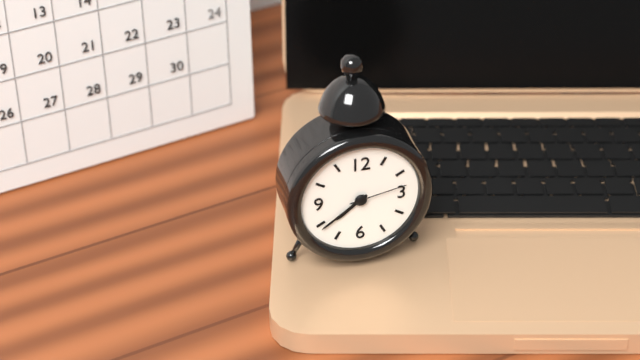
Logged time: 7,39,13
